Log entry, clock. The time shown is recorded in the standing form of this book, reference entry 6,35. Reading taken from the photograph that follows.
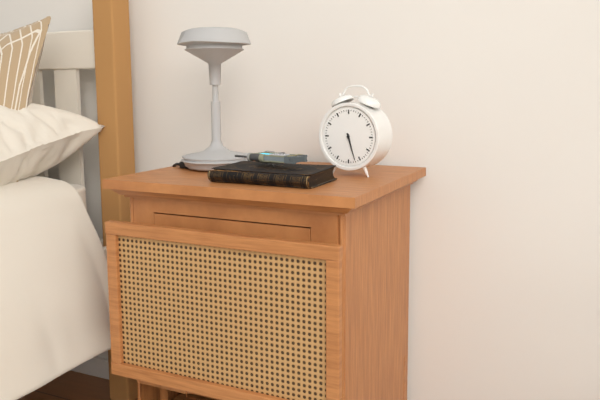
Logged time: 5,27
